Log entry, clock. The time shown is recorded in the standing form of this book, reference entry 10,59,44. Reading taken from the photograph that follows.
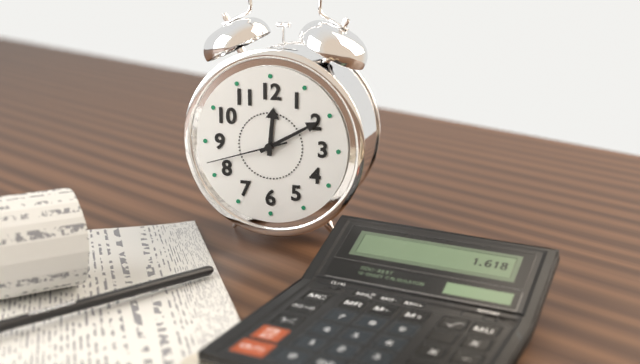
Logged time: 12,10,42
